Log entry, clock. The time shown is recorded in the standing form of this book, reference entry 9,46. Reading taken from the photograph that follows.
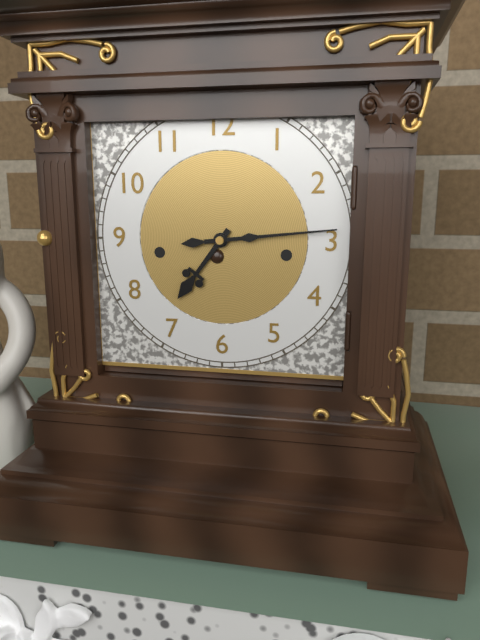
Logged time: 7,14
